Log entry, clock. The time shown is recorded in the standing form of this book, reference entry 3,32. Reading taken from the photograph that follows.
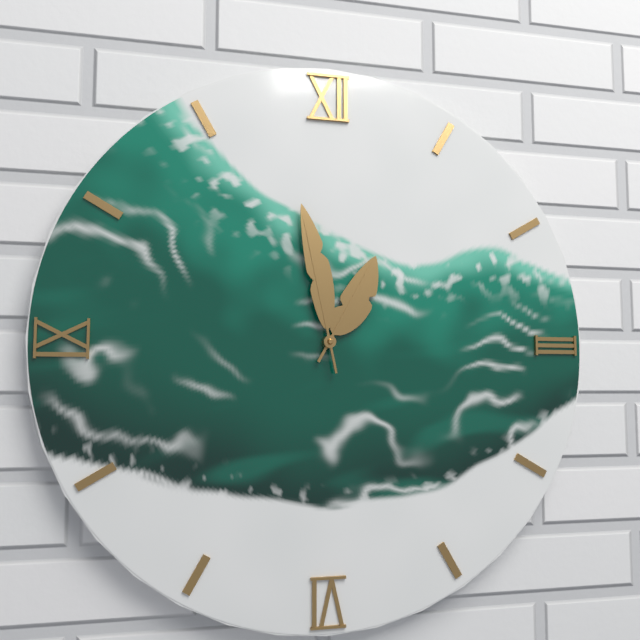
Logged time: 12,58
